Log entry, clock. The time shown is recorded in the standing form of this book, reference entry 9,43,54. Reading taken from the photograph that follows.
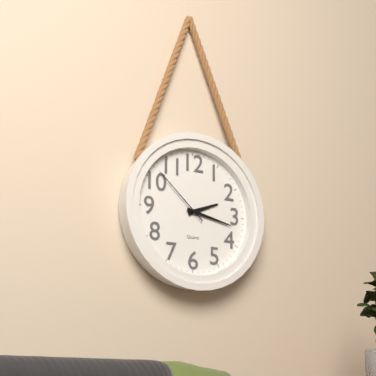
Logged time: 2,17,52
